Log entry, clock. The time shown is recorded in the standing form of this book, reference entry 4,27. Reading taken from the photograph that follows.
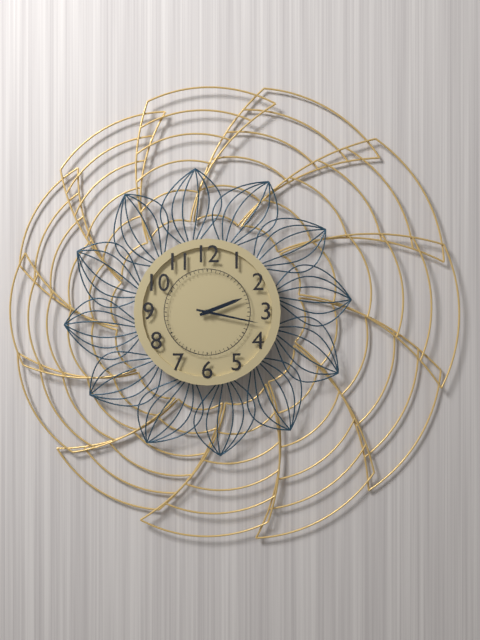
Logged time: 2,17
